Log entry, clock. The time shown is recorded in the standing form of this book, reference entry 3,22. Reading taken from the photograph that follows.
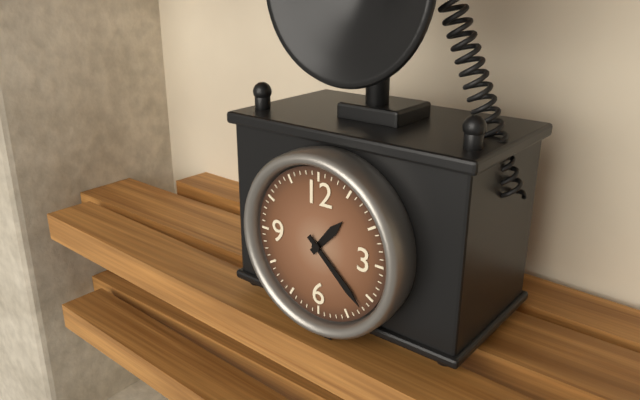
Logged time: 1,22
